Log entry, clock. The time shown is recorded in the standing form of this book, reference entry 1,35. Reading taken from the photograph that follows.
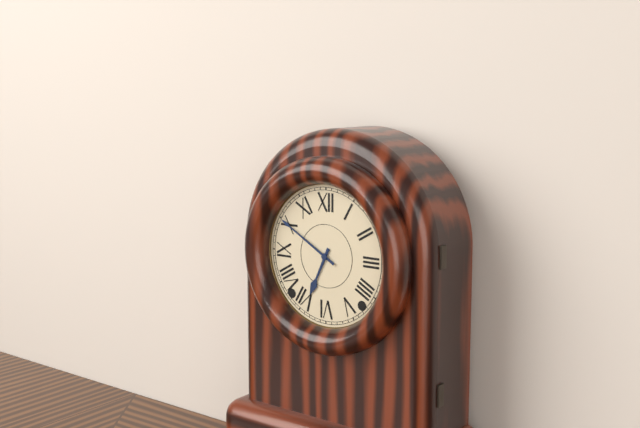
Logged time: 6,50
